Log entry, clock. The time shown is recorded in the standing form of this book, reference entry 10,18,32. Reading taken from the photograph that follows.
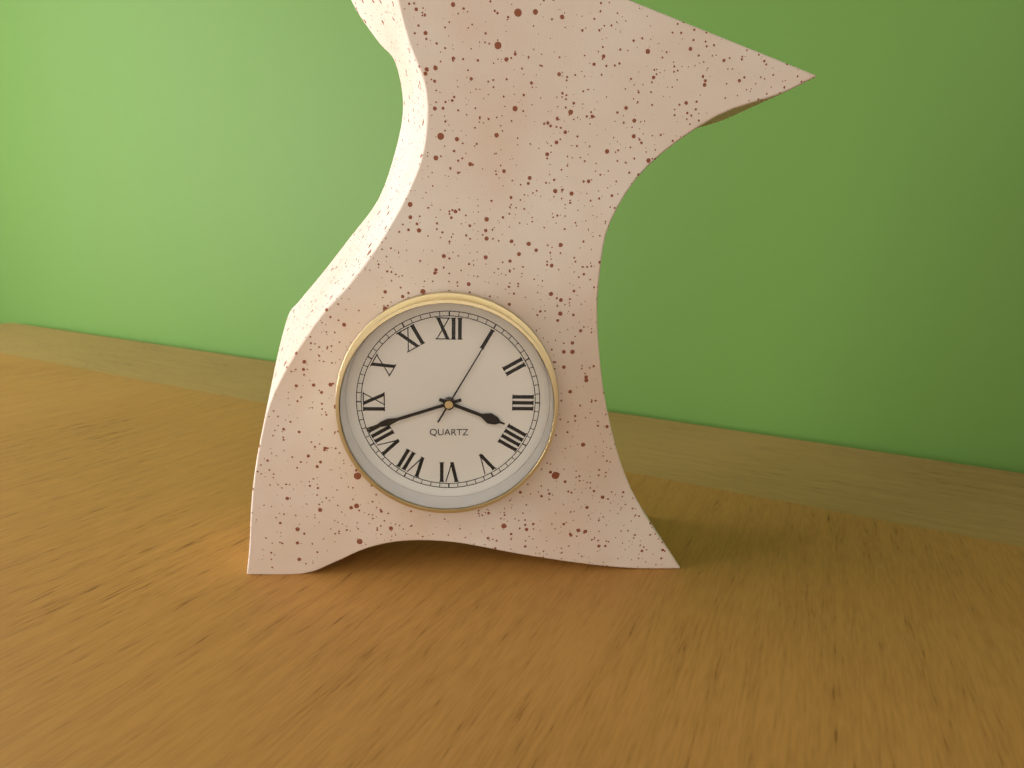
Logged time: 3,42,05
